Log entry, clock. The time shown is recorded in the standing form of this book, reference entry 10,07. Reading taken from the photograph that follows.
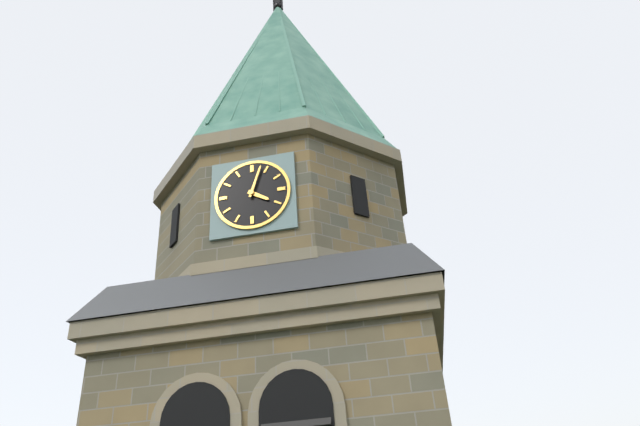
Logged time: 4,03
